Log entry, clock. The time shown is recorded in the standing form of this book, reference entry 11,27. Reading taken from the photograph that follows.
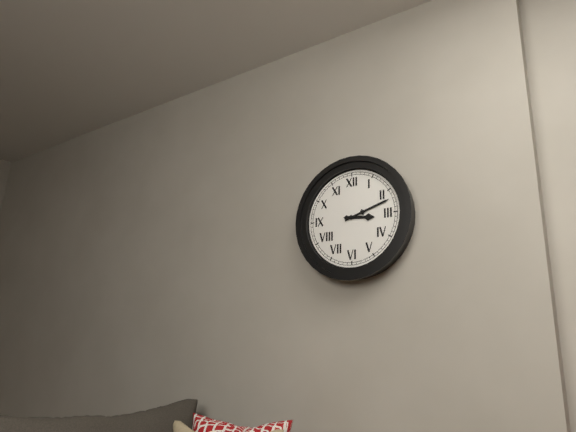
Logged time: 3,12
